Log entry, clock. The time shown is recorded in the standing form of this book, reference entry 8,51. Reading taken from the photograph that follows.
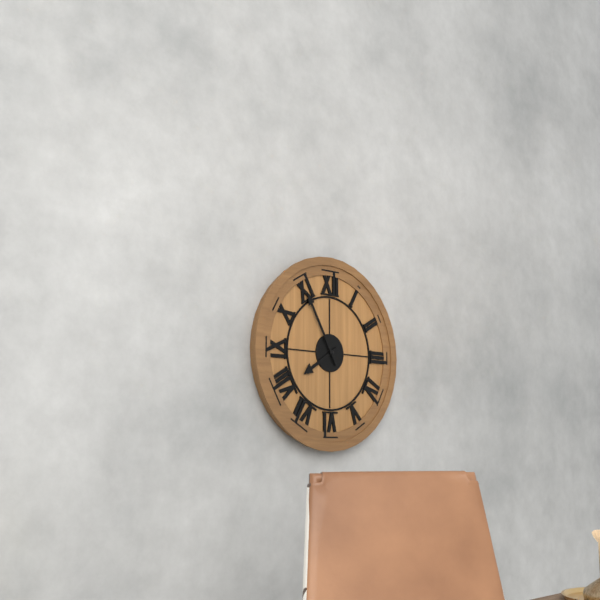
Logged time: 7,55
